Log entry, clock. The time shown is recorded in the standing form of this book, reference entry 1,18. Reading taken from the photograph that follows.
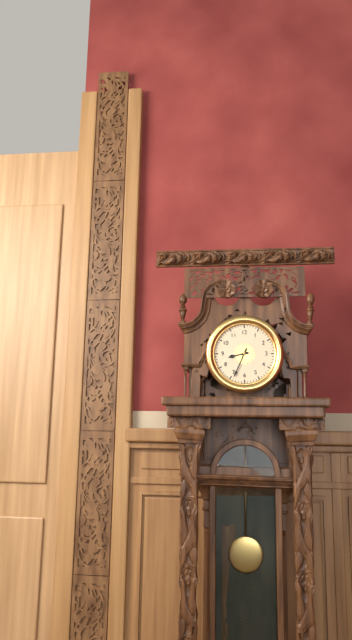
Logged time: 8,34
